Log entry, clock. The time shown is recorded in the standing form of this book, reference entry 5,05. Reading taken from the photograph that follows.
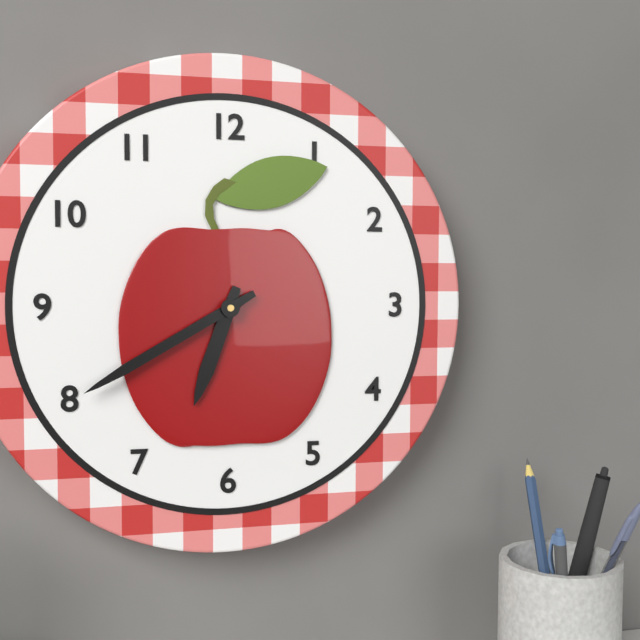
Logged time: 6,40
